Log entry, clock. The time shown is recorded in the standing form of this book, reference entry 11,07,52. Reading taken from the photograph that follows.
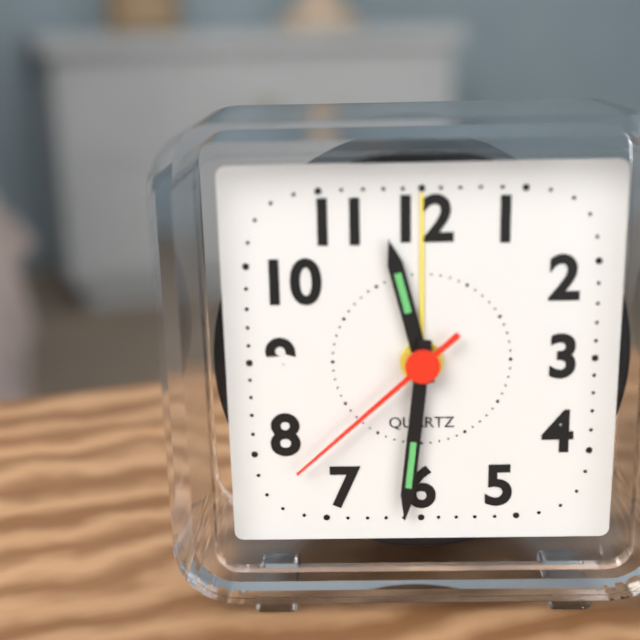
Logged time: 11,31,38
